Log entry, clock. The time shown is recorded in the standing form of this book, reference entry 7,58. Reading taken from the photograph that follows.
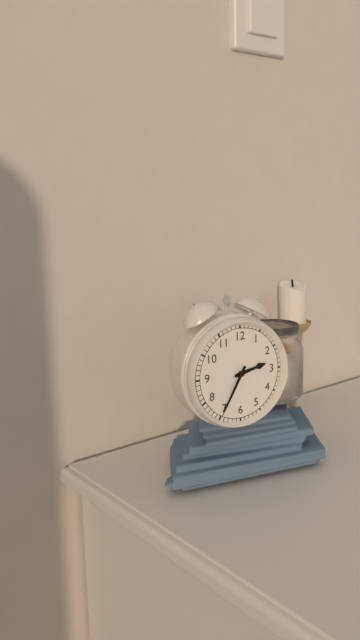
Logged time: 2,35
